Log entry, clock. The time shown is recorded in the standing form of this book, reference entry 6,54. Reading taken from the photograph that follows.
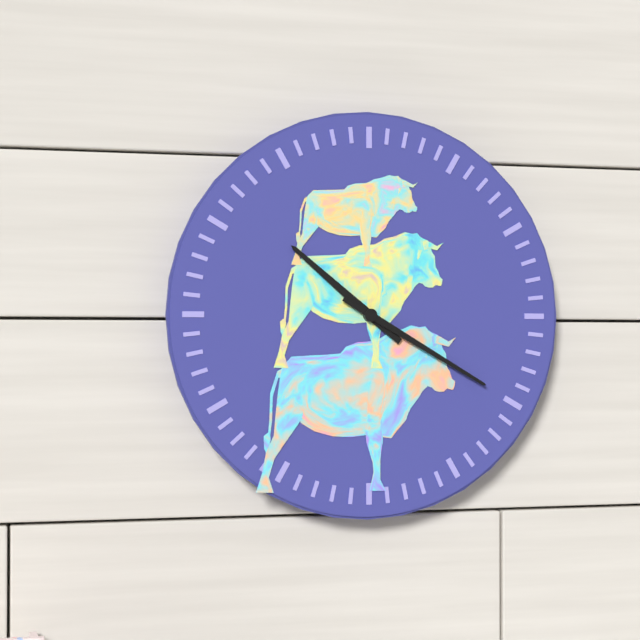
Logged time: 10,20
